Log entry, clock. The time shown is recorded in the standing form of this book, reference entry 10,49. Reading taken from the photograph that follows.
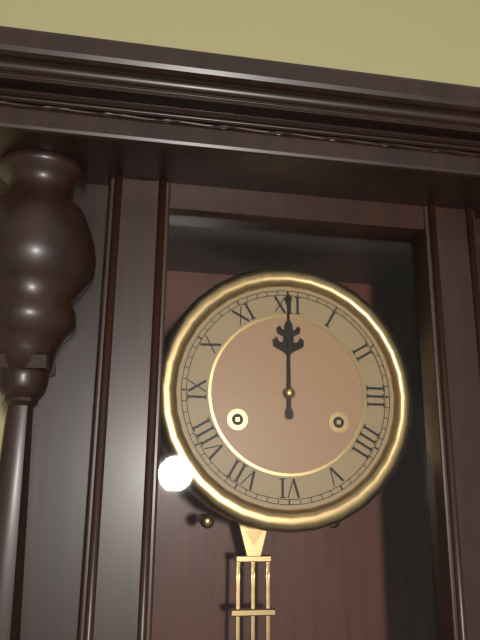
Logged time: 12,00
